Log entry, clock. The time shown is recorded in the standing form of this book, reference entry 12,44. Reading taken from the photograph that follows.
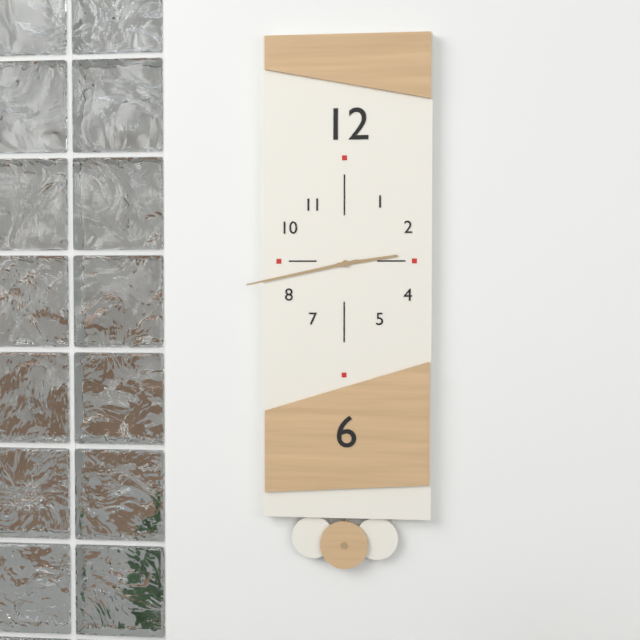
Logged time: 2,43
